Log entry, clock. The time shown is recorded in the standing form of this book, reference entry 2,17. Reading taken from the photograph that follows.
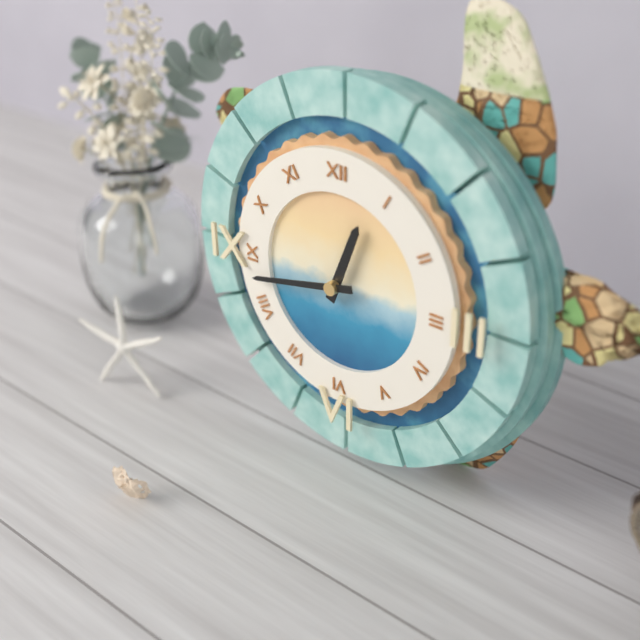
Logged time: 12,43
